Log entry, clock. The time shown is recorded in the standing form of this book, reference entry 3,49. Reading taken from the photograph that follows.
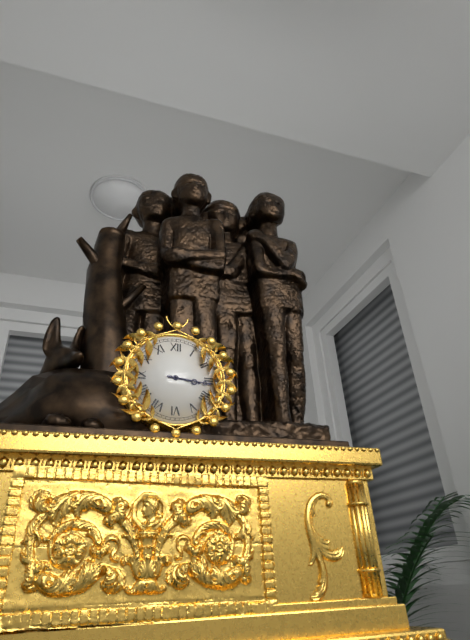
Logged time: 3,16
